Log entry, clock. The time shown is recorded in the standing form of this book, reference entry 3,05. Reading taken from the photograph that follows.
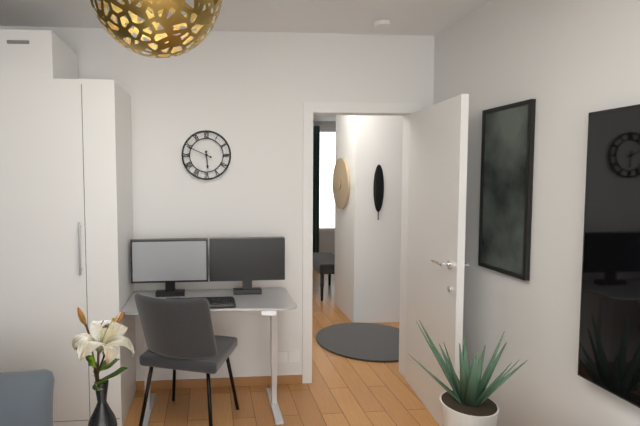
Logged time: 5,49
